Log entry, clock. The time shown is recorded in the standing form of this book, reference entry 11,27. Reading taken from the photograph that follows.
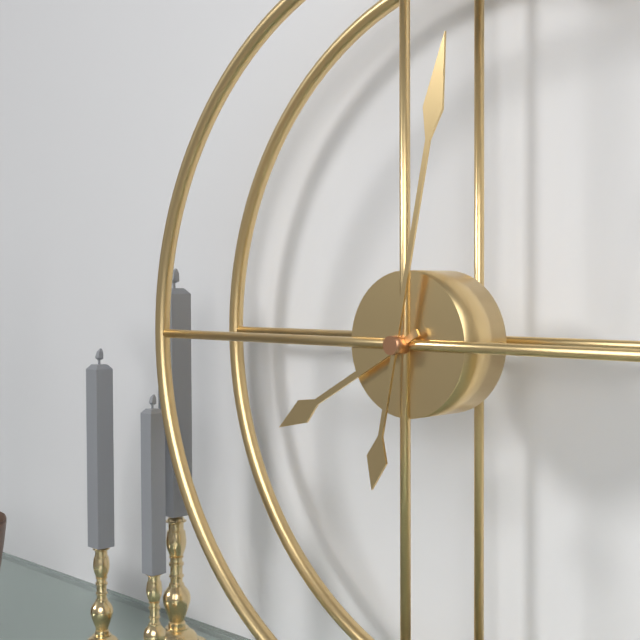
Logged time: 8,02
